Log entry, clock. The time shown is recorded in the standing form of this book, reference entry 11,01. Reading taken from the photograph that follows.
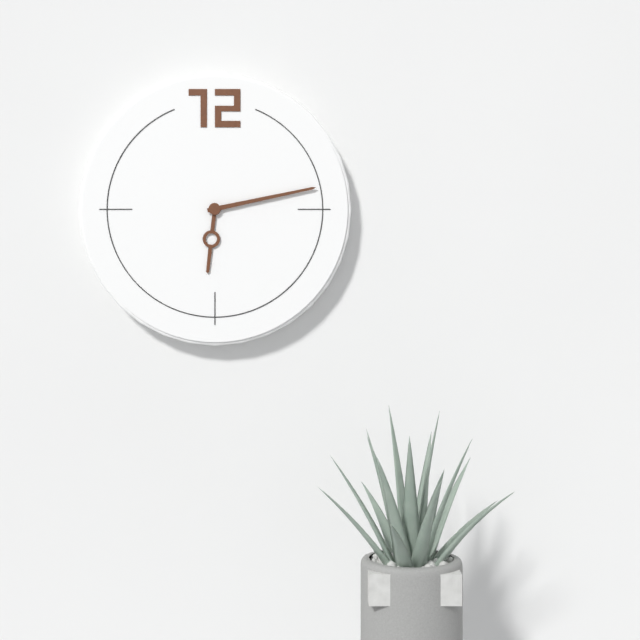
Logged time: 6,13
